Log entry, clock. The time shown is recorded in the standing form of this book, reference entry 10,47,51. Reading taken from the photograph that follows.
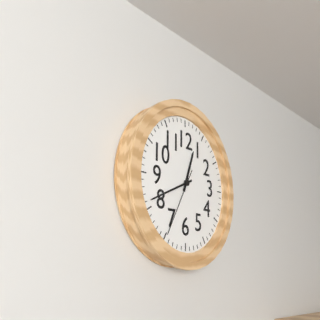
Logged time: 12,41,35
